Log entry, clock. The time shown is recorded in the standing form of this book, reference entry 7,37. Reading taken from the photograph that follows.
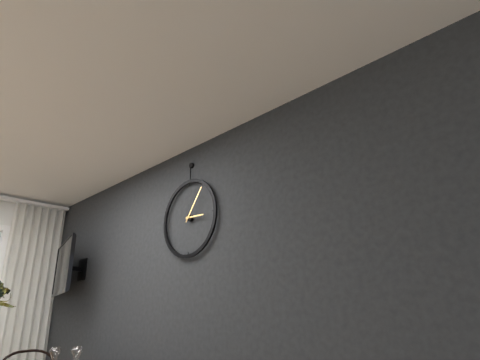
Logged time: 3,06
